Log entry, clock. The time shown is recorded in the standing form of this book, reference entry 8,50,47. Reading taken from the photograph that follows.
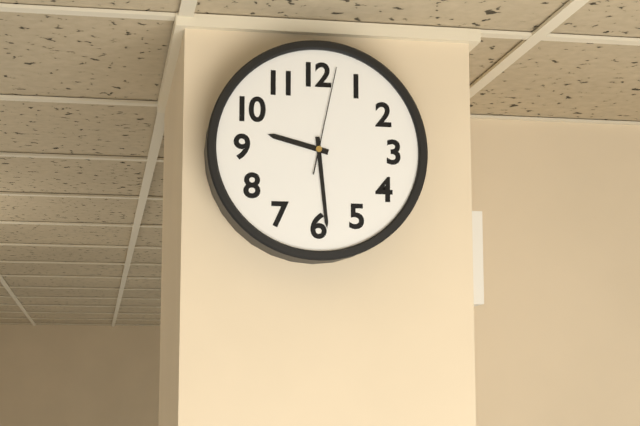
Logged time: 9,29,02
